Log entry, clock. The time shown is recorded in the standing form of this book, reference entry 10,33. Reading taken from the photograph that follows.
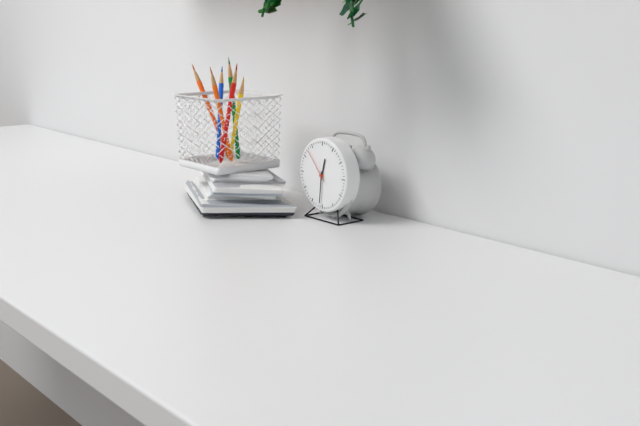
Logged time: 12,31
